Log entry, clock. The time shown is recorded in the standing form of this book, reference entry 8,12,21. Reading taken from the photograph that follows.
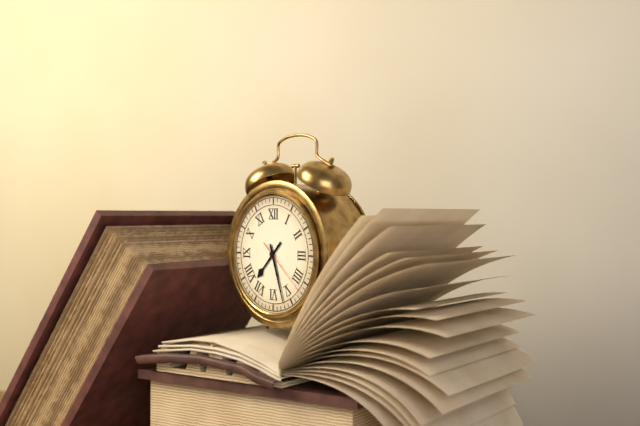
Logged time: 7,27,22
